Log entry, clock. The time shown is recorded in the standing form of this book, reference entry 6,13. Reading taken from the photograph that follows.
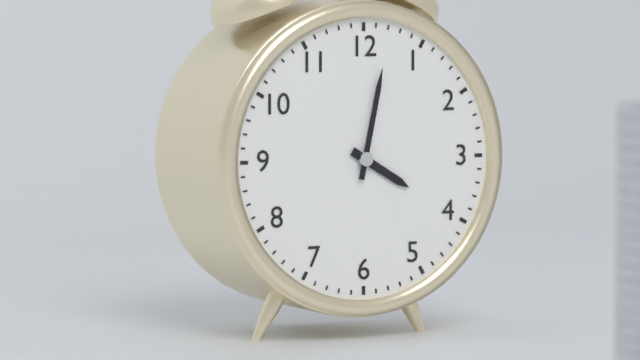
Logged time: 4,02
